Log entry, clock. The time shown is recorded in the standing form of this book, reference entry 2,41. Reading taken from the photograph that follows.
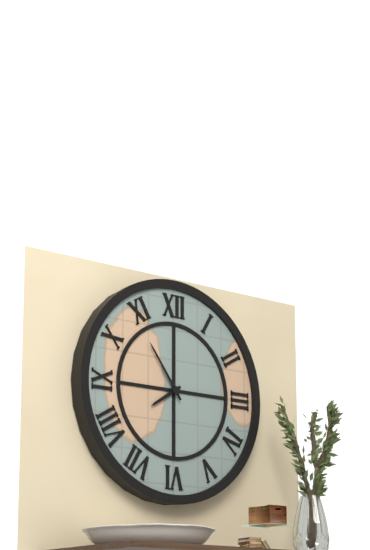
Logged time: 7,54
